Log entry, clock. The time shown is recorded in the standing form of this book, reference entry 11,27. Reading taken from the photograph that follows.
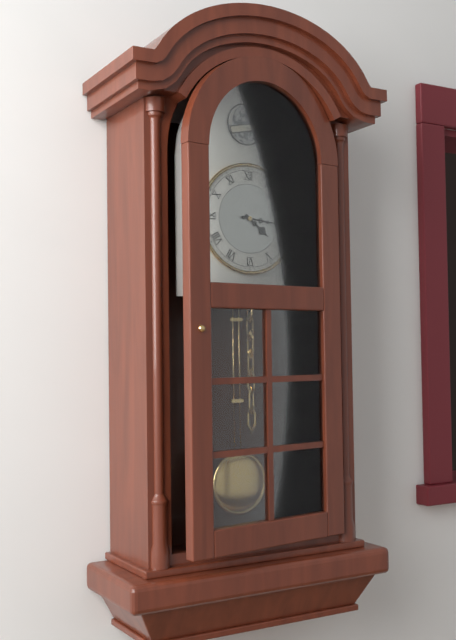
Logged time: 4,16
